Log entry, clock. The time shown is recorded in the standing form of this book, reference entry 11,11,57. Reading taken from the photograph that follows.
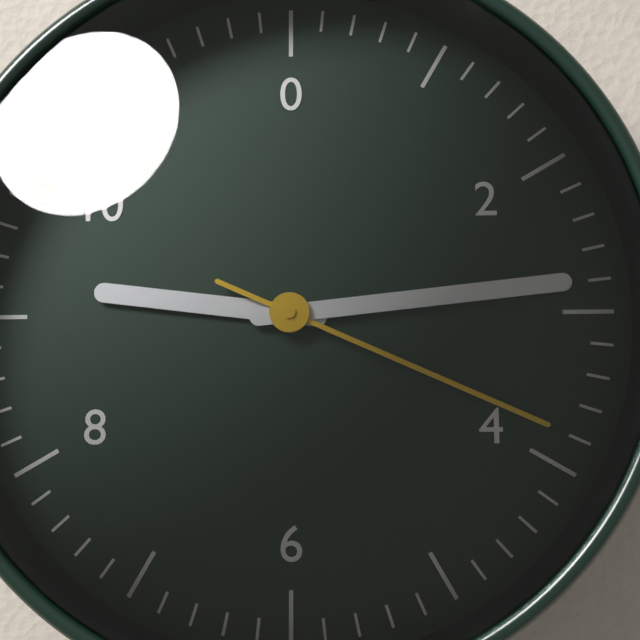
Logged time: 9,14,19
